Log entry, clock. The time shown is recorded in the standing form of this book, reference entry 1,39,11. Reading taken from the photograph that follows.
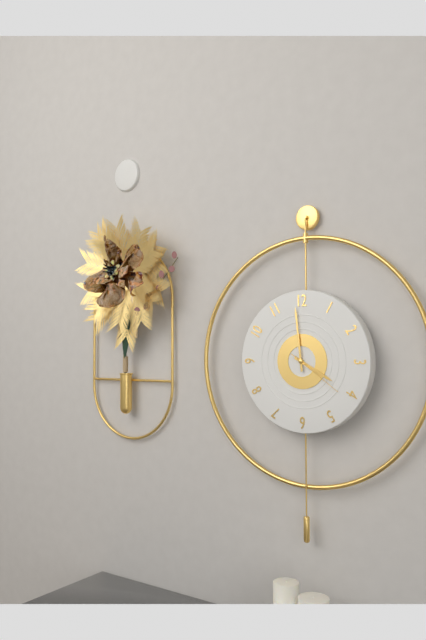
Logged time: 3,59,21
